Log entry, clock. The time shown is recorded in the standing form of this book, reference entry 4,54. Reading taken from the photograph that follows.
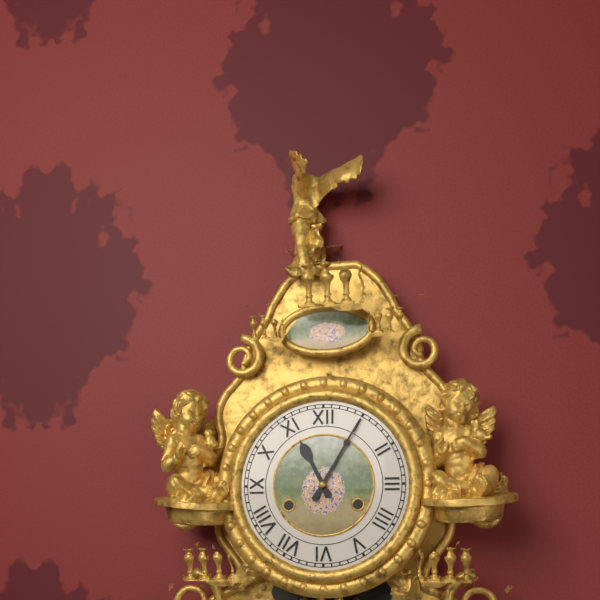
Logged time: 11,05
